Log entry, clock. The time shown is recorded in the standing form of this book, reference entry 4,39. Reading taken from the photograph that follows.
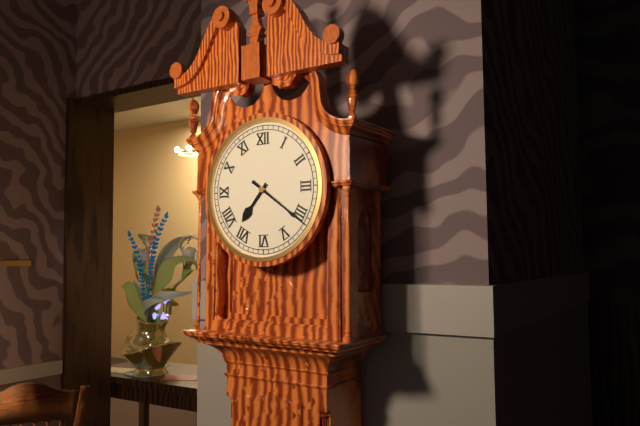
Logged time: 7,21
